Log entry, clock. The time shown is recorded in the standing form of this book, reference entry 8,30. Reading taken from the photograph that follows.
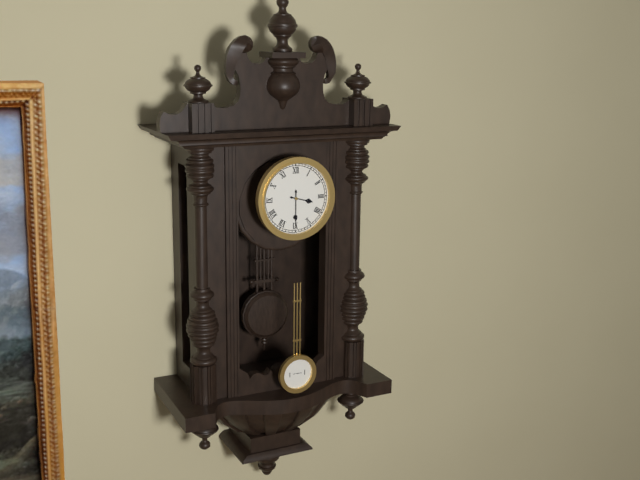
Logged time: 3,30
